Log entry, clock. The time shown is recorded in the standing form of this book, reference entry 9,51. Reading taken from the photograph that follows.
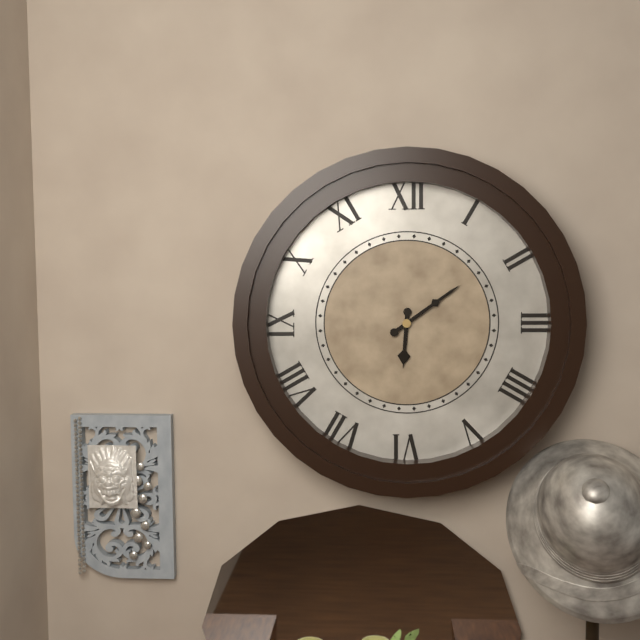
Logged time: 6,09
